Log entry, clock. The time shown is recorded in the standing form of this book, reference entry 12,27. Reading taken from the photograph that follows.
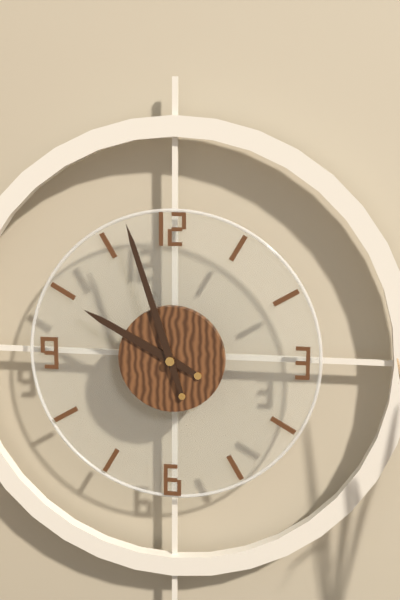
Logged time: 9,57
